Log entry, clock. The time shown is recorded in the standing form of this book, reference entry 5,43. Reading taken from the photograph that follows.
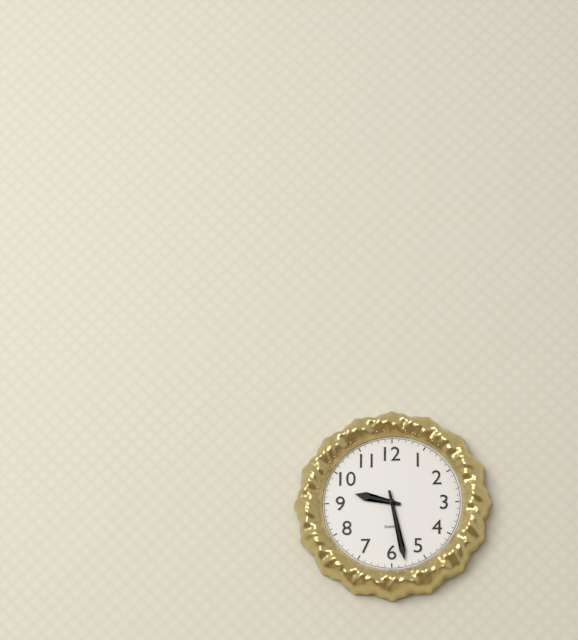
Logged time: 9,28
